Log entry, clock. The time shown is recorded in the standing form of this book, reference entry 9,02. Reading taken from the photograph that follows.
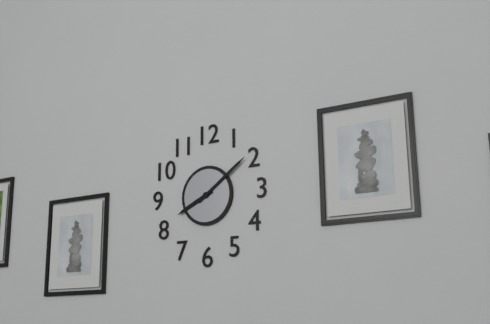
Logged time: 8,09
